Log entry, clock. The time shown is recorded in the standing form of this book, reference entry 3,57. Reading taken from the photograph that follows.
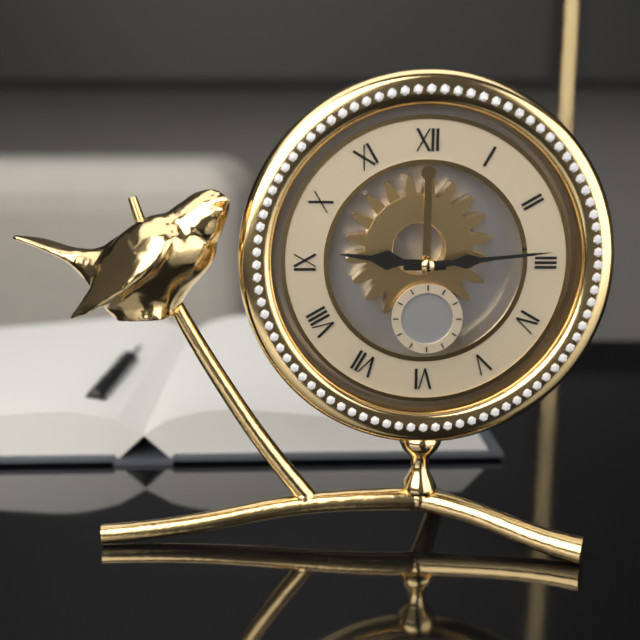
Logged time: 9,14
